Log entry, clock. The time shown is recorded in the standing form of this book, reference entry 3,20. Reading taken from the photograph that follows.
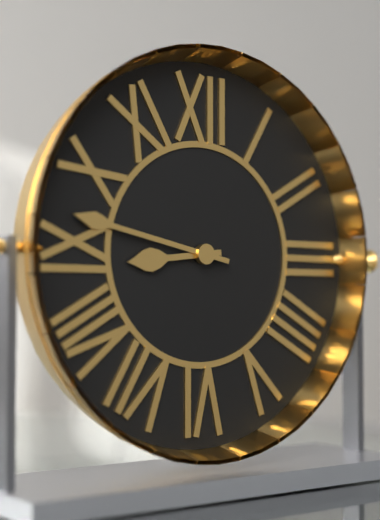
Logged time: 8,47
